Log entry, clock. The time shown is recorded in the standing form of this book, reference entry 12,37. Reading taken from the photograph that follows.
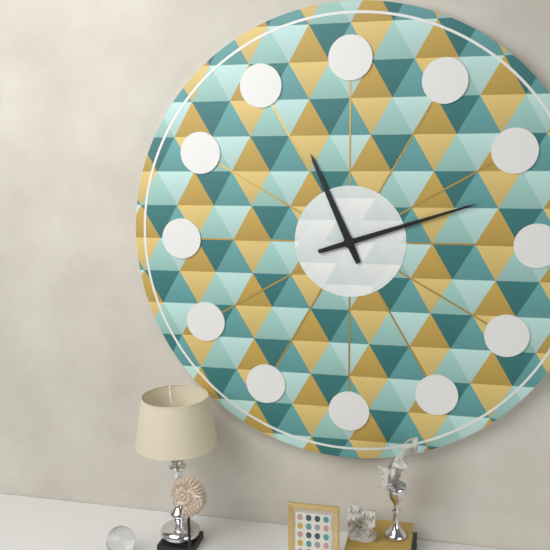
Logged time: 11,12
